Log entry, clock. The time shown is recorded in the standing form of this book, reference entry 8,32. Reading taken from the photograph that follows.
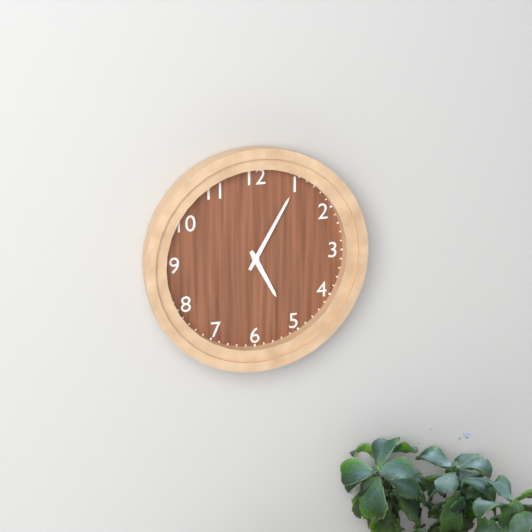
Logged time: 5,05
